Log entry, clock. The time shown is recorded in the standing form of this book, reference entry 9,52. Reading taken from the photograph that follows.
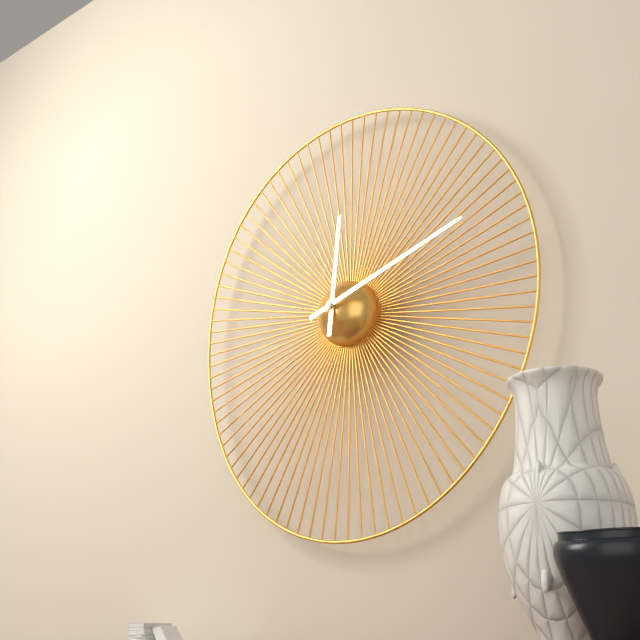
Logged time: 12,12
